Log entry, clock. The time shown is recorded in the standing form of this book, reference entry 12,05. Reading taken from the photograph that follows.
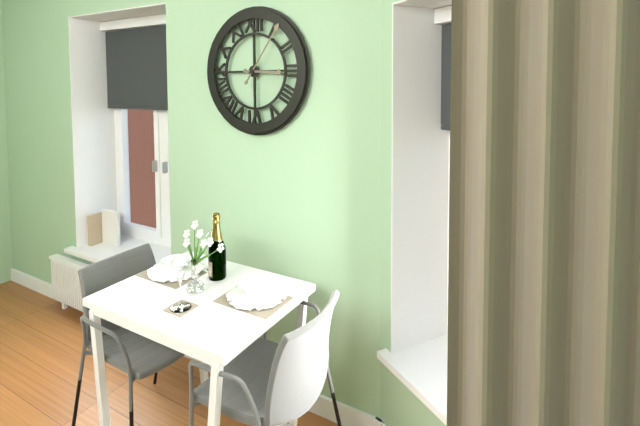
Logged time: 3,06
